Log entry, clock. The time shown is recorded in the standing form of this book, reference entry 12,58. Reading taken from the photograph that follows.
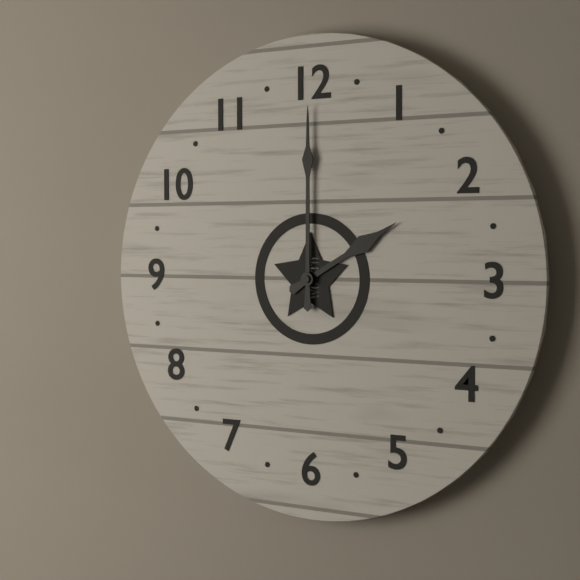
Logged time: 2,00
